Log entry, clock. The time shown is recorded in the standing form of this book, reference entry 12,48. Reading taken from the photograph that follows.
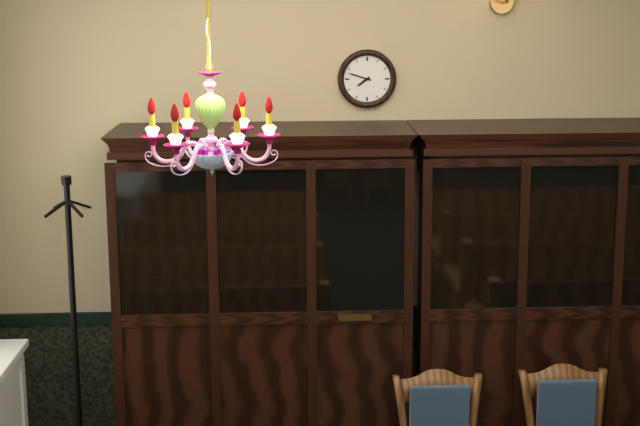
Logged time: 7,48
